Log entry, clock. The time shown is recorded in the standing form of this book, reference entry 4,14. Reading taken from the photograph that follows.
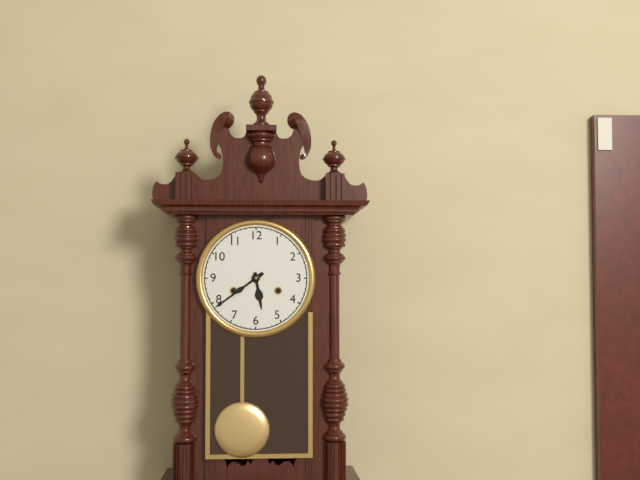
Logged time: 5,39
